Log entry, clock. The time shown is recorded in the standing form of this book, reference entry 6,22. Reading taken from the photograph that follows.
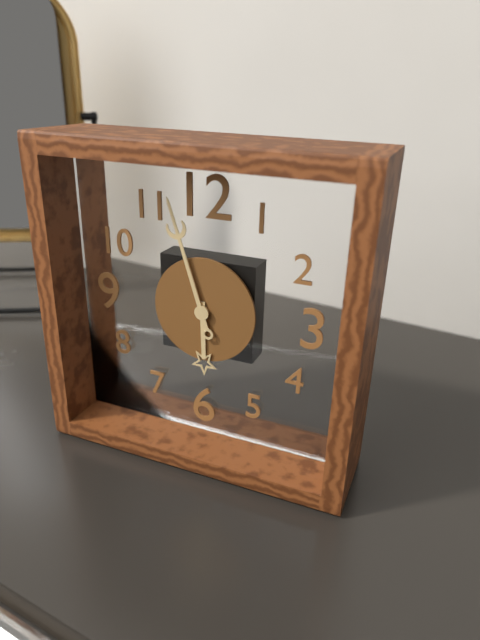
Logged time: 5,57
